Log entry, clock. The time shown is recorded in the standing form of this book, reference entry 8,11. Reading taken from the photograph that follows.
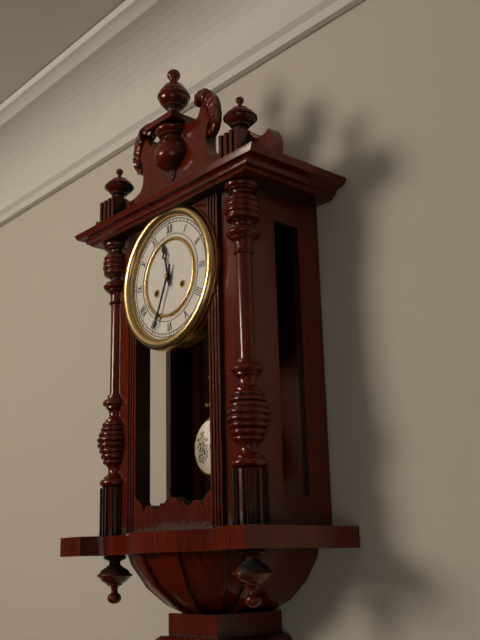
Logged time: 11,34
